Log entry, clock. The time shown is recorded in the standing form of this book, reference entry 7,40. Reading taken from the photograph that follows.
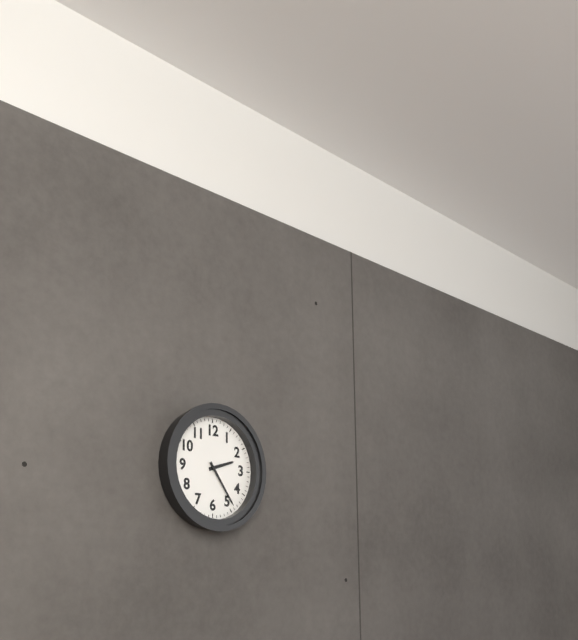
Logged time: 2,24
